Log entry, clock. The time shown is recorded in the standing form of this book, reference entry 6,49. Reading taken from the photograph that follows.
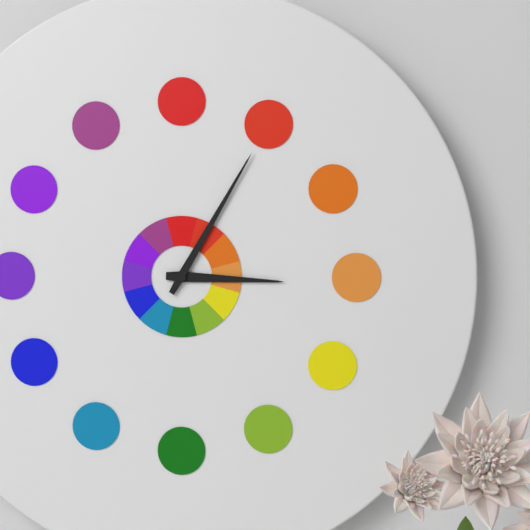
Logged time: 3,05
